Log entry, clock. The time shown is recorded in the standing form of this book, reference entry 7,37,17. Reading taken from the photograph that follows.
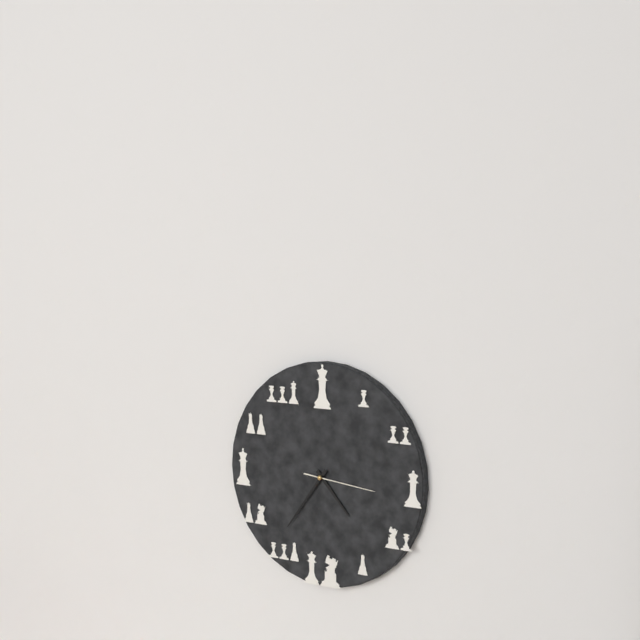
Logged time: 4,36,16
